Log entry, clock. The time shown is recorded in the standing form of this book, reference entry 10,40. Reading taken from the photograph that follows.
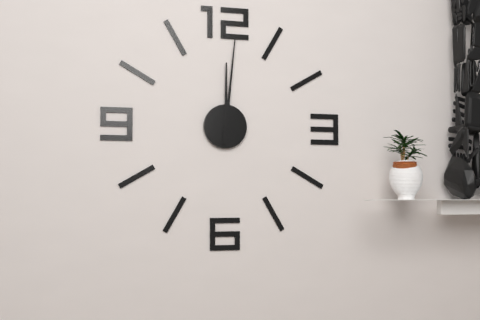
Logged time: 12,01
